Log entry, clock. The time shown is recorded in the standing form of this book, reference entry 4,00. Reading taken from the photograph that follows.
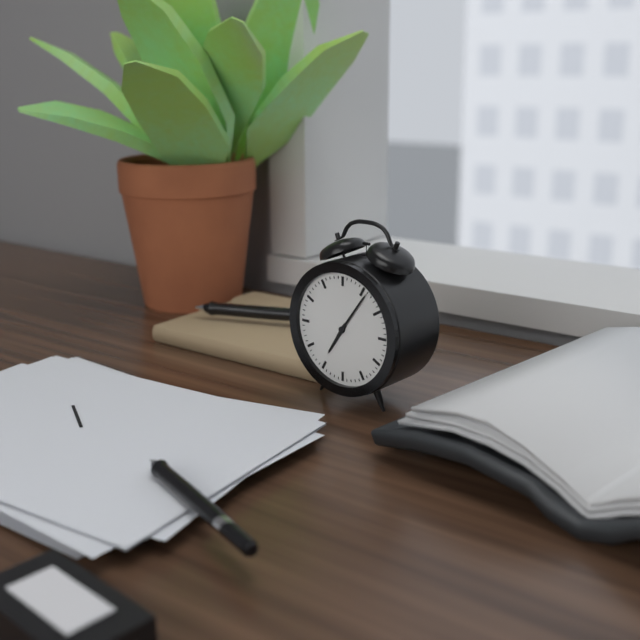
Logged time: 7,06
